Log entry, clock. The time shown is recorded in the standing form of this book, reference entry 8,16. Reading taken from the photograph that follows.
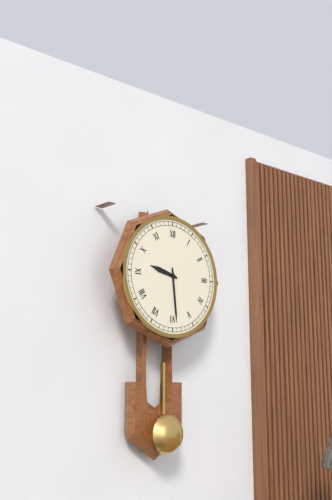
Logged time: 9,29
